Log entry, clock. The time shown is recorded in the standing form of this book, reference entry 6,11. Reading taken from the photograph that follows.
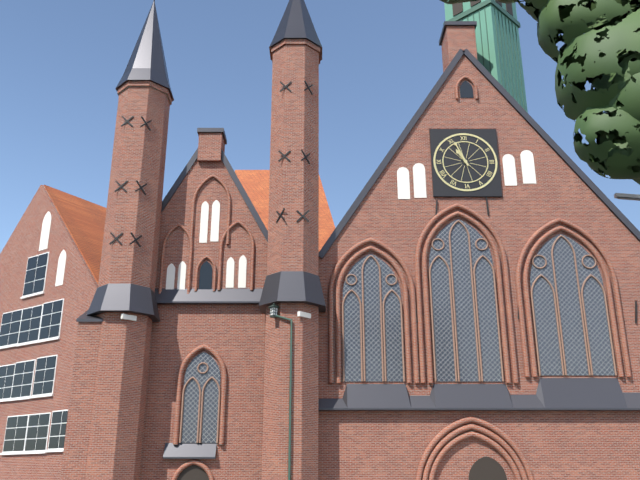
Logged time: 10,56
